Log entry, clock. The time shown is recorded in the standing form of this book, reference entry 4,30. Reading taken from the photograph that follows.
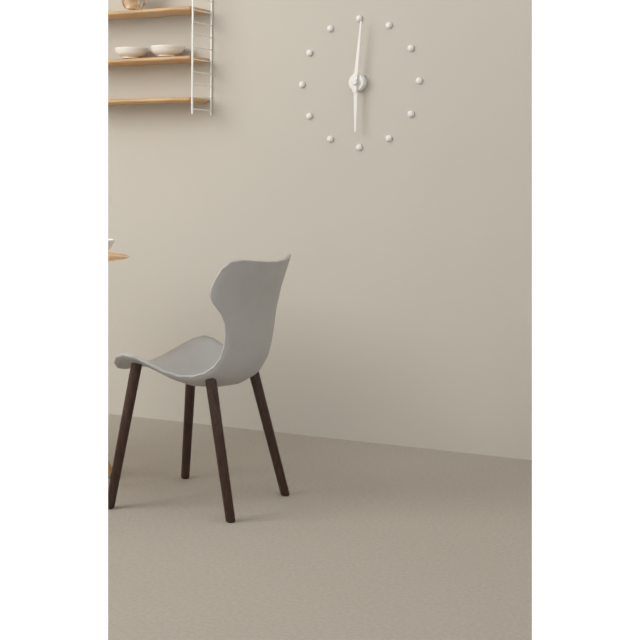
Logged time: 6,01
